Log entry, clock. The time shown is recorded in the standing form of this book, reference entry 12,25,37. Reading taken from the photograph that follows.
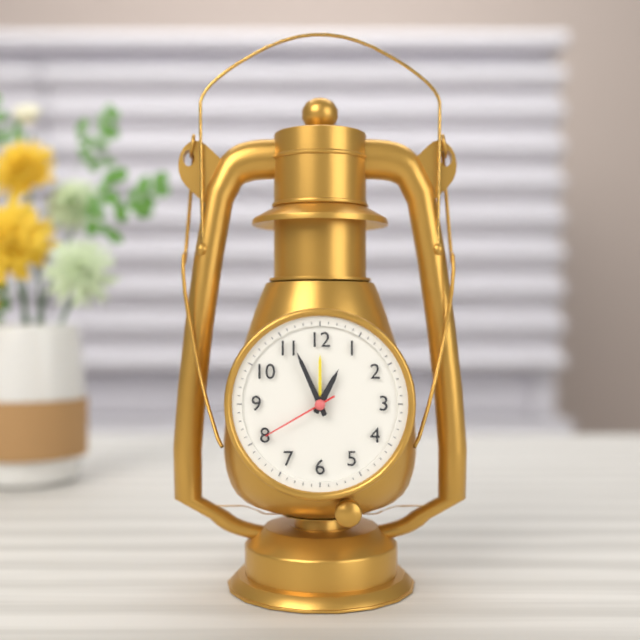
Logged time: 12,56,40
